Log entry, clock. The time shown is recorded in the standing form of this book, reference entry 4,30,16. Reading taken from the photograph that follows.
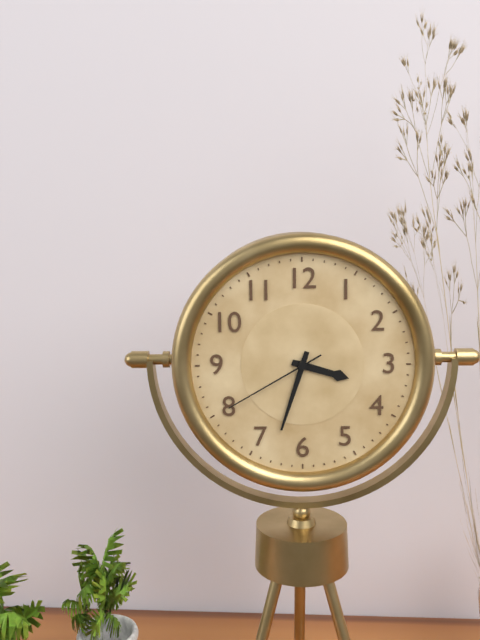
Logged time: 3,33,40
